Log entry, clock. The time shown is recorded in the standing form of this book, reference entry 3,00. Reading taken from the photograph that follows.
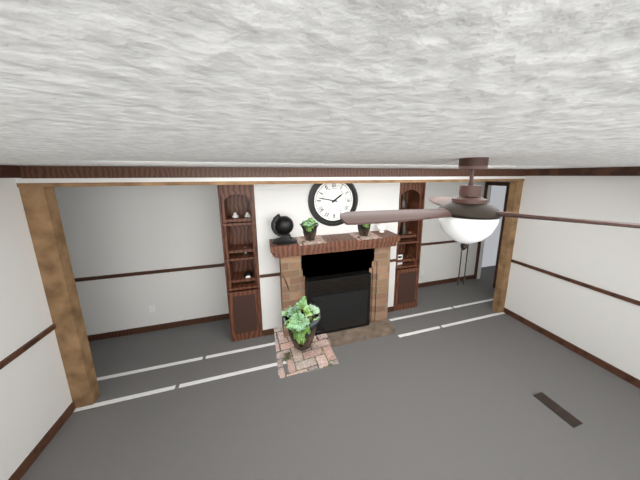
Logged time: 1,47
